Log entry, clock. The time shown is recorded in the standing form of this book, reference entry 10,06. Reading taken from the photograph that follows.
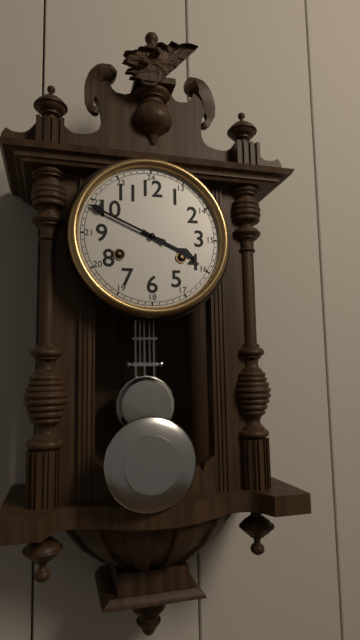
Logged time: 3,49
